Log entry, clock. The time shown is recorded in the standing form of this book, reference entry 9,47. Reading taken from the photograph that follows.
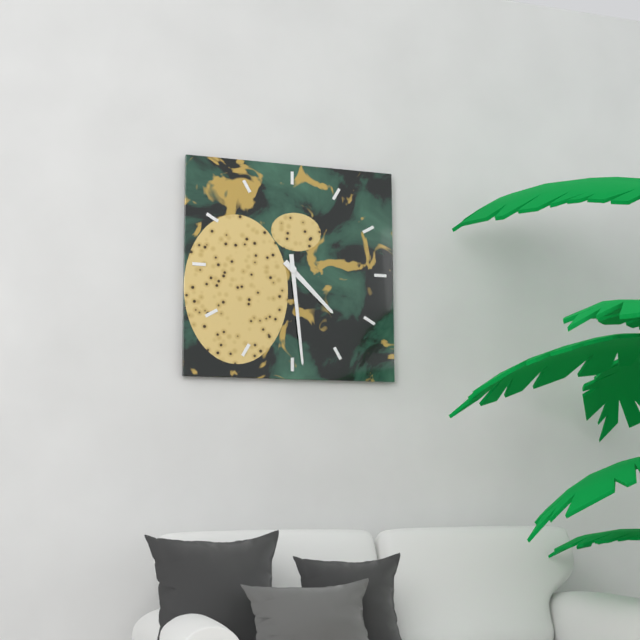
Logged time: 4,29
